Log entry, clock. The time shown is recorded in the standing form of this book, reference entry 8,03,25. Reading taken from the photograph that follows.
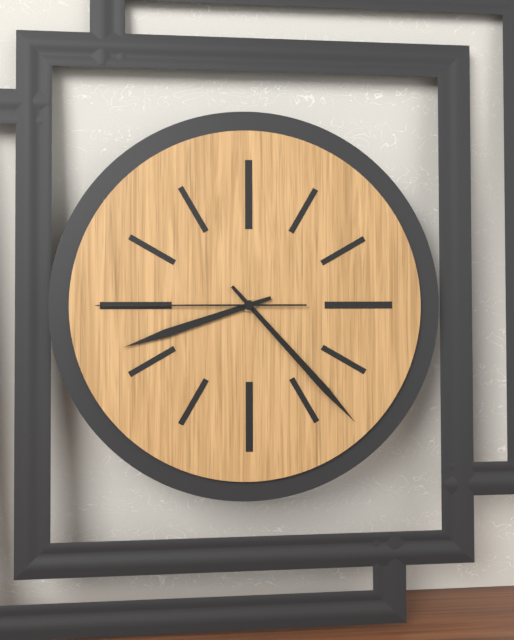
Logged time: 8,23,45
